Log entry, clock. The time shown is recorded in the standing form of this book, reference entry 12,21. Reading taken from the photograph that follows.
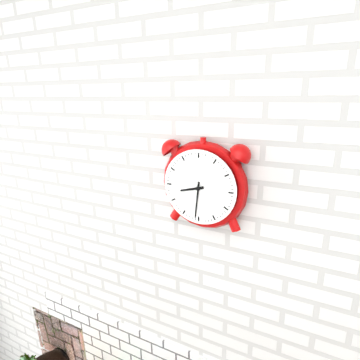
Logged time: 8,31
